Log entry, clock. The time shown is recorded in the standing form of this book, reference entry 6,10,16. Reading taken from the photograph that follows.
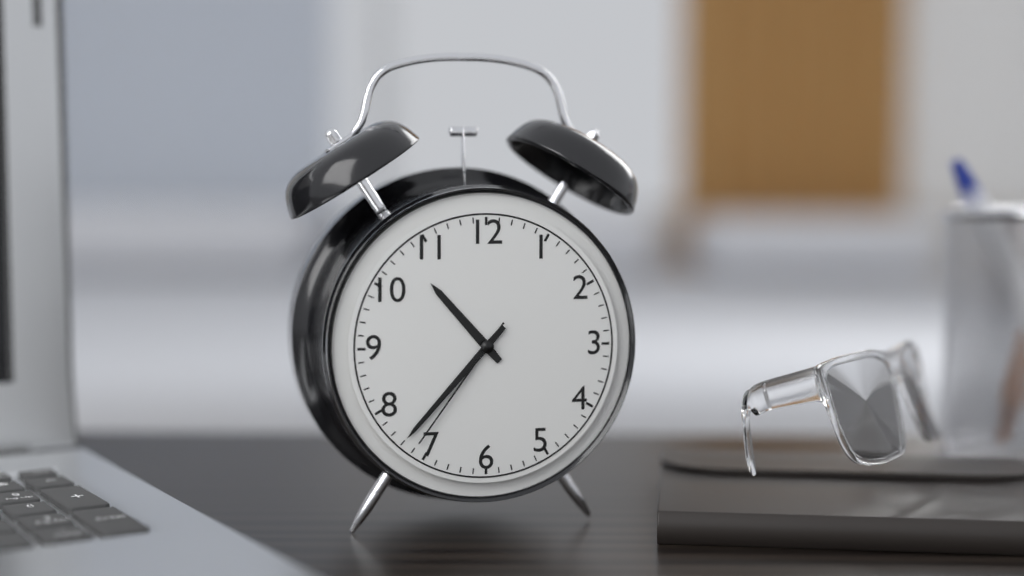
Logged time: 10,37,36
